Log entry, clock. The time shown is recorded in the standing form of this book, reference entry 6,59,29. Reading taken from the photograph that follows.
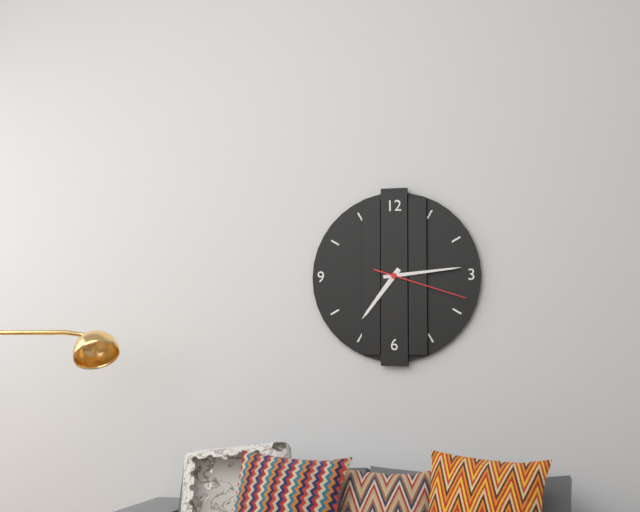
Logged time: 7,14,18
